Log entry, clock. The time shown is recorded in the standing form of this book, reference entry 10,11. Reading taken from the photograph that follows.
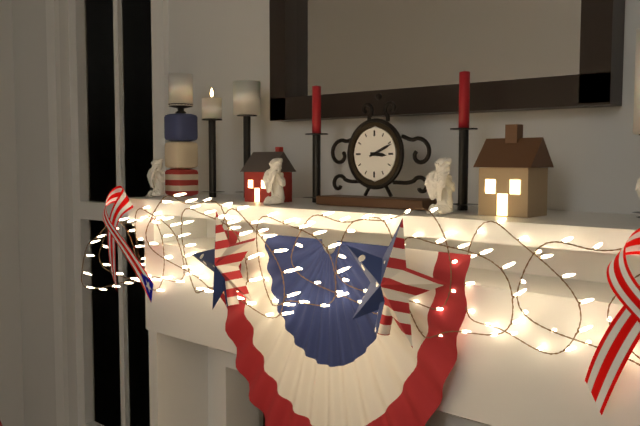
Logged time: 3,11
